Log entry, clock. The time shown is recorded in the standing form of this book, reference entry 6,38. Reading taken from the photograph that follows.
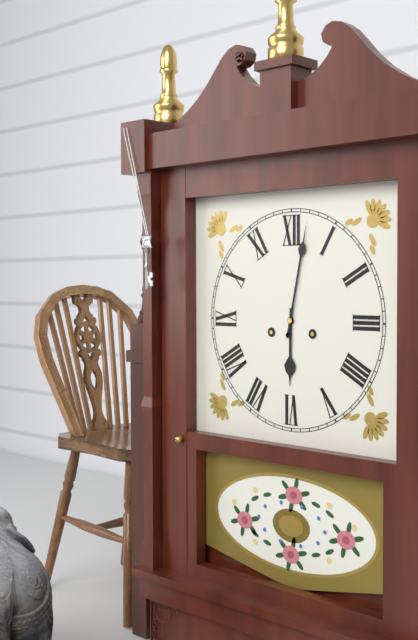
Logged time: 6,02
